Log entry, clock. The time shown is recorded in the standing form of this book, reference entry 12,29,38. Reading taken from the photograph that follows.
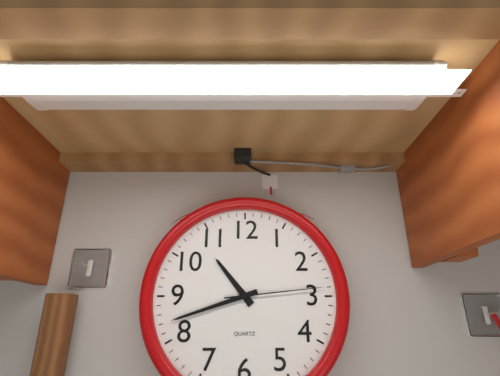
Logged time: 10,42,14
